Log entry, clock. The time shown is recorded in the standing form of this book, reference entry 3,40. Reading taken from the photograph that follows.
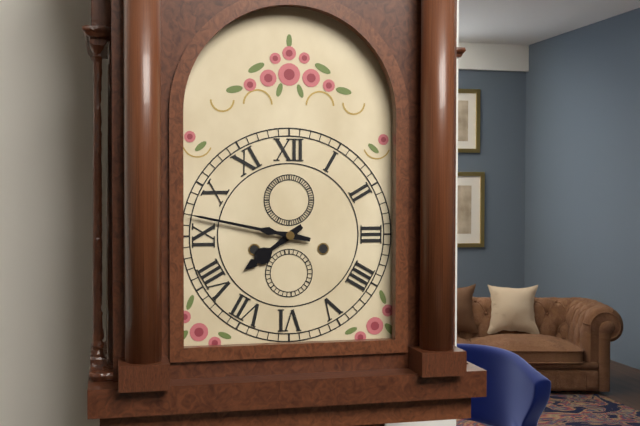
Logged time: 7,47
